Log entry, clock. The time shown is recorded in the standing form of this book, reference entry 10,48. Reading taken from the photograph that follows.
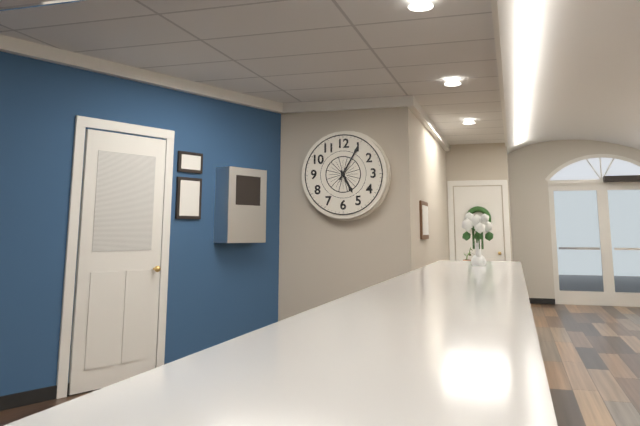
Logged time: 5,05
